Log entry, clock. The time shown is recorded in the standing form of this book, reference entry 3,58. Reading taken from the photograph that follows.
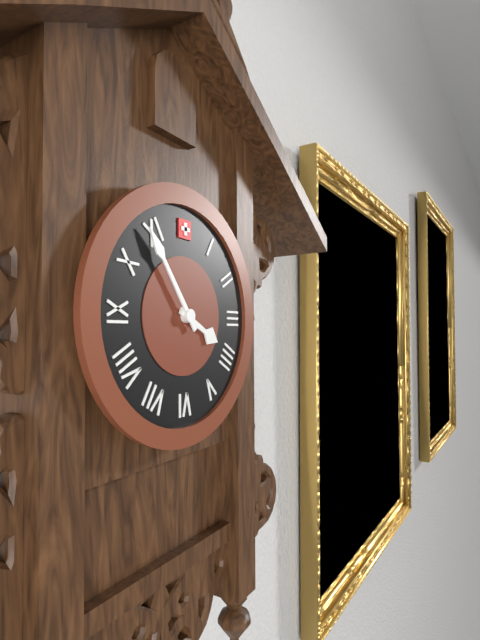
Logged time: 3,54
